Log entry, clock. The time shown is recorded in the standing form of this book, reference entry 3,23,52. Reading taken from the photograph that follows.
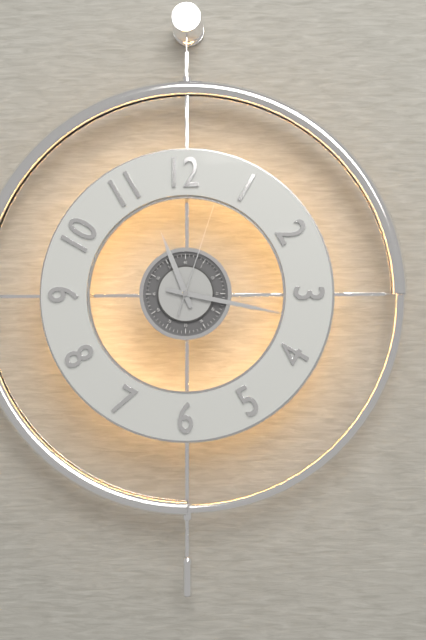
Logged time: 11,17,03
